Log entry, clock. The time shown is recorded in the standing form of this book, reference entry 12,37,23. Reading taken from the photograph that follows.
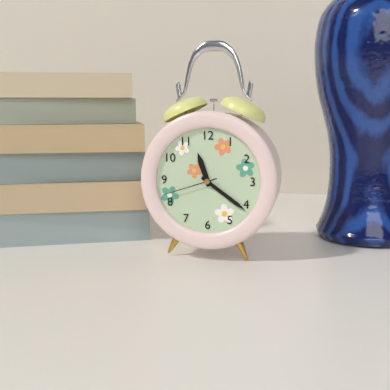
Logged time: 11,21,42
